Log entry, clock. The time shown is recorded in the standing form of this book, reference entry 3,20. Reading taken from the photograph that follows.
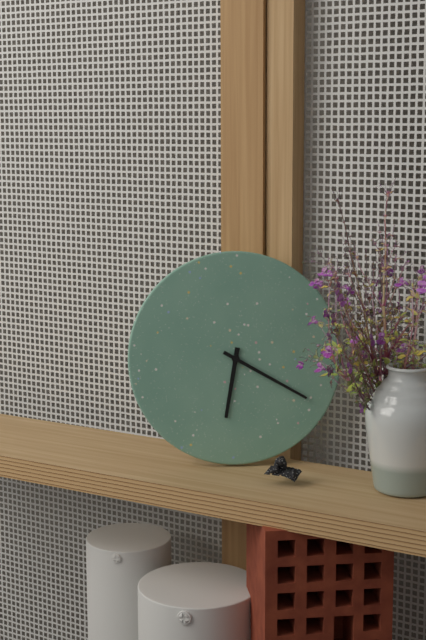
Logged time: 6,20
